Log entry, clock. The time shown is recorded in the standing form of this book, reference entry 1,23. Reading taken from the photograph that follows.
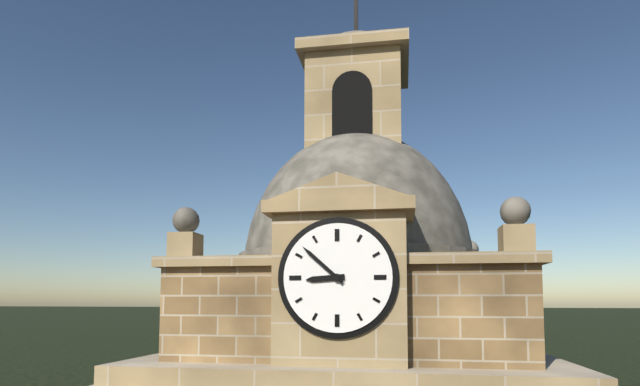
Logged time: 8,52
